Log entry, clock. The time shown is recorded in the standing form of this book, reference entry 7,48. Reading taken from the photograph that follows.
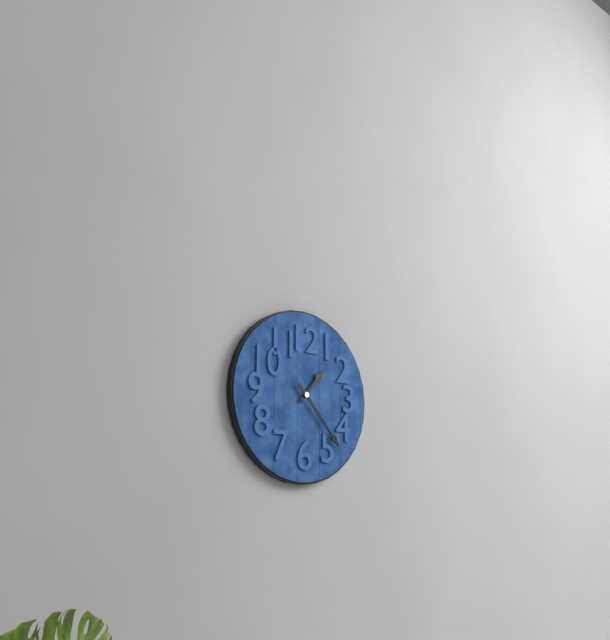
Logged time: 1,23
